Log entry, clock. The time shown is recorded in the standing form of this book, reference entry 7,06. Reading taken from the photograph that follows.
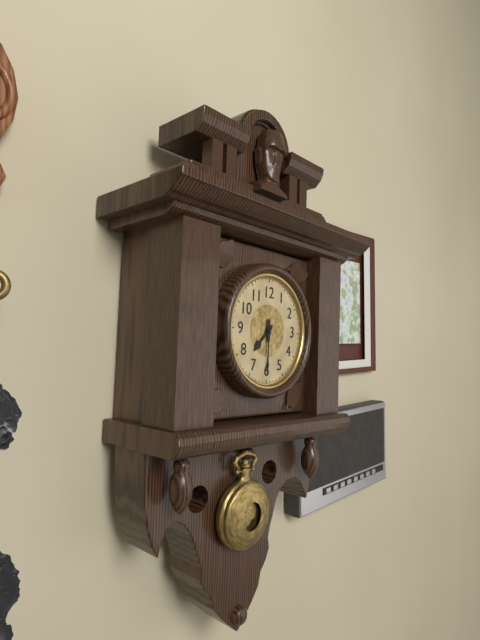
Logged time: 7,30
